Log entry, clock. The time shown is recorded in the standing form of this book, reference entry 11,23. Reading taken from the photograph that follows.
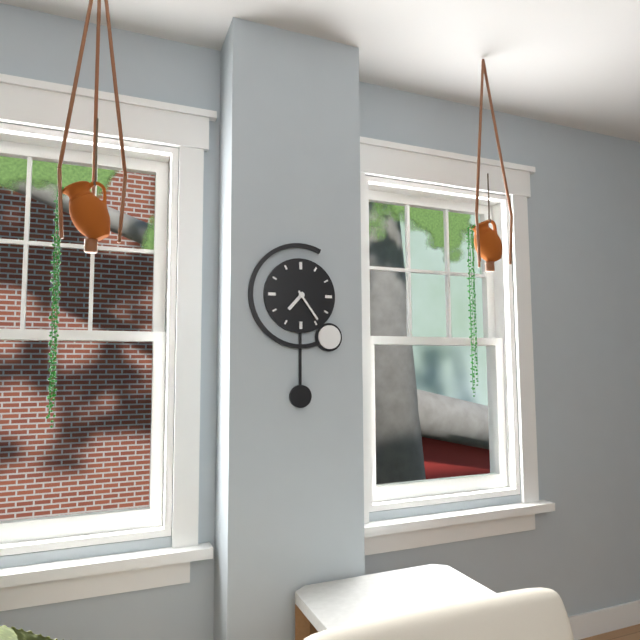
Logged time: 7,24
